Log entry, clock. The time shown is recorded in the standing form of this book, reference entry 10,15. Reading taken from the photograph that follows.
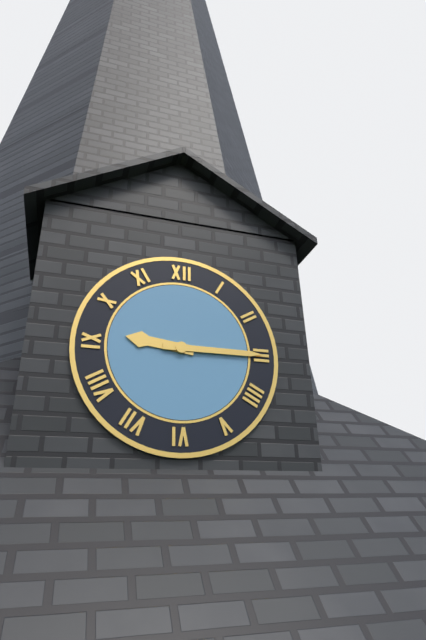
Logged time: 9,15
